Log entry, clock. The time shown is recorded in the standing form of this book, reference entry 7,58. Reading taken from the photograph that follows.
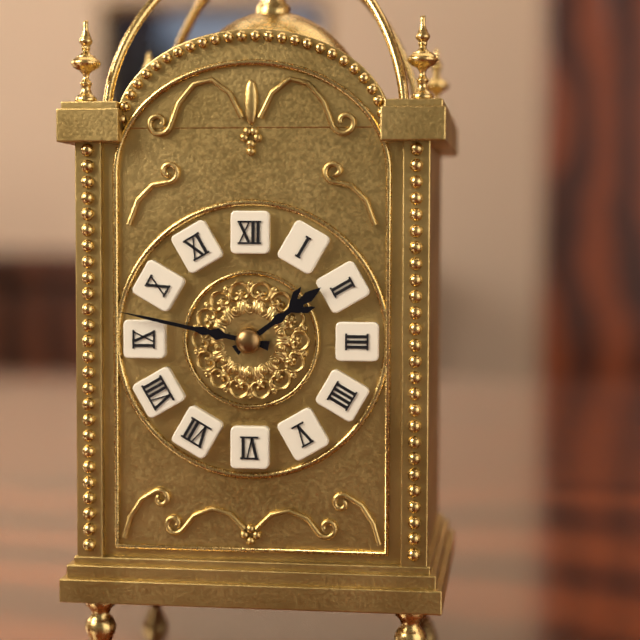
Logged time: 1,47
